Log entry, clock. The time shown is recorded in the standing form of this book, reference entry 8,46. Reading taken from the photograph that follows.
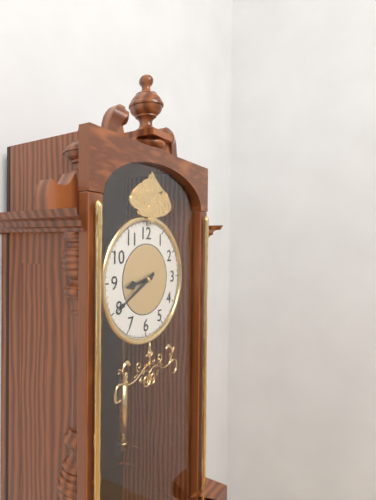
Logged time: 8,40
